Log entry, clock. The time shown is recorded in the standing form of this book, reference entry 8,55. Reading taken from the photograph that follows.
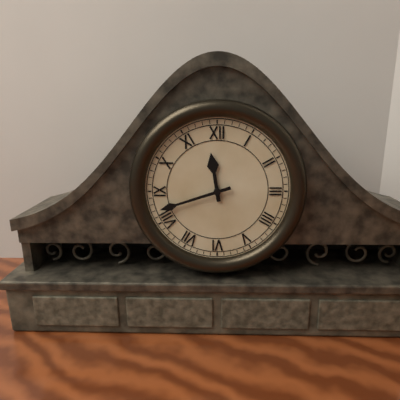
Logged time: 11,42
